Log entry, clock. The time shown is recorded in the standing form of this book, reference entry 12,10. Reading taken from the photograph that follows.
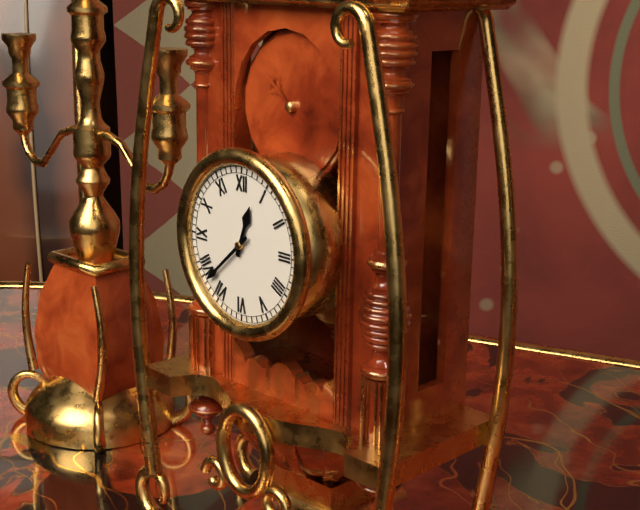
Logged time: 12,38
